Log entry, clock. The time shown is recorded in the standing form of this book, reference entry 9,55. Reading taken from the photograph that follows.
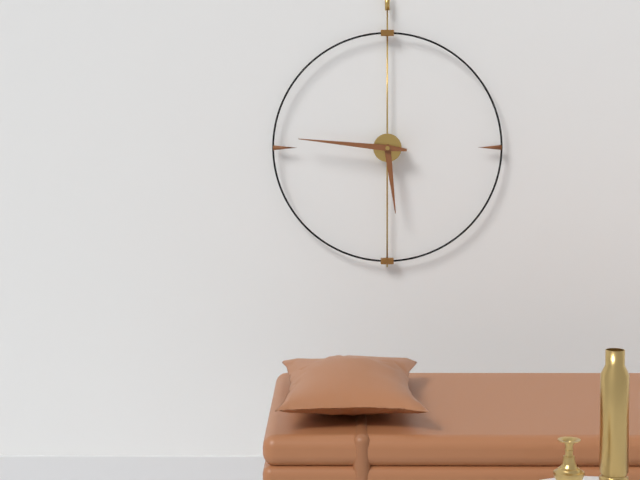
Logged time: 5,46
